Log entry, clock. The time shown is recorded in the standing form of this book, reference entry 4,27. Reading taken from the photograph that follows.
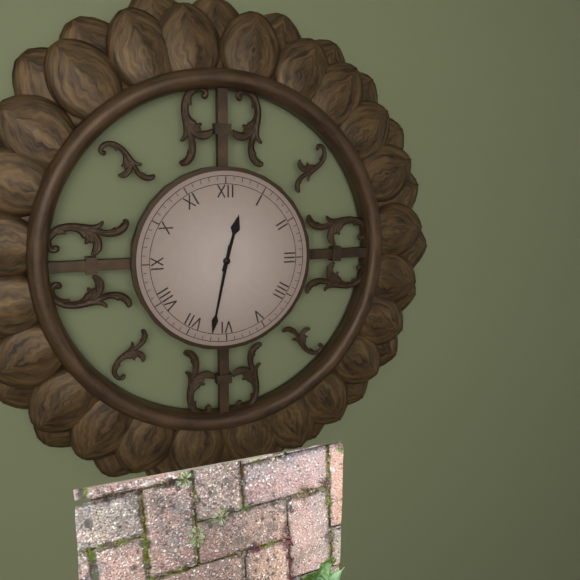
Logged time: 12,32
